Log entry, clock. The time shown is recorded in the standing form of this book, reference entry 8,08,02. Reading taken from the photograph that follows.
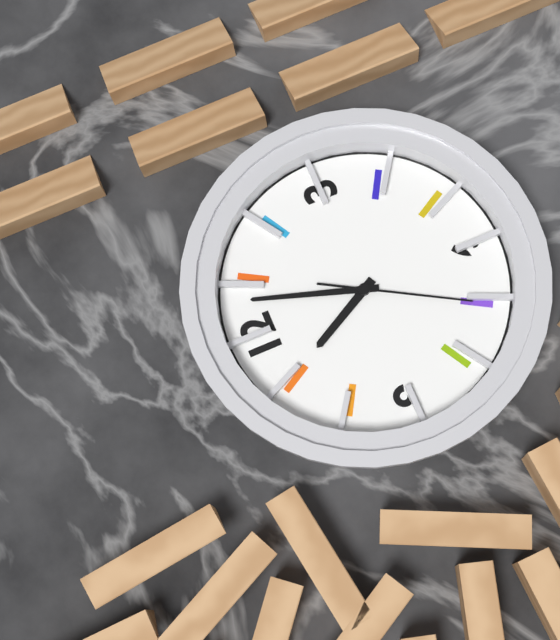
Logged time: 11,03,35
